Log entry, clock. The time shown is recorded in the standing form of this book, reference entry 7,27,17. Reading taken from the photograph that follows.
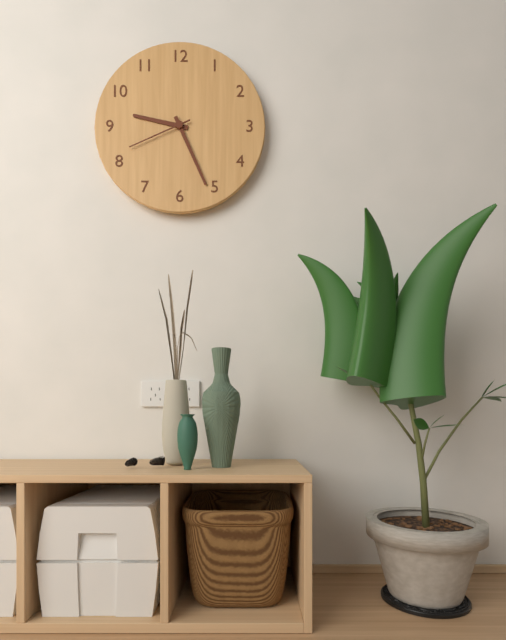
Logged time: 9,26,41
